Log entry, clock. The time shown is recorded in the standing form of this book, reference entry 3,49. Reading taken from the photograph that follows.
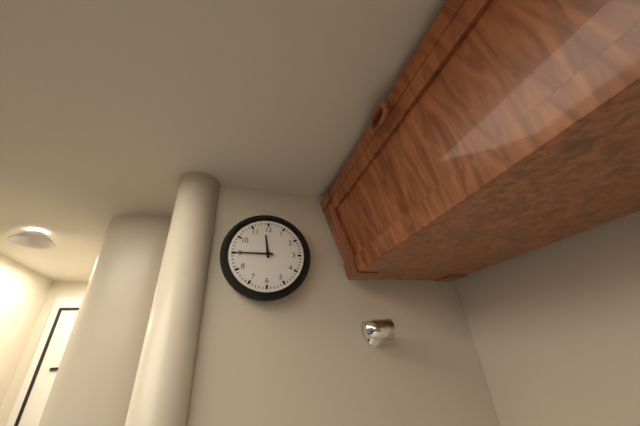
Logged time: 11,45
